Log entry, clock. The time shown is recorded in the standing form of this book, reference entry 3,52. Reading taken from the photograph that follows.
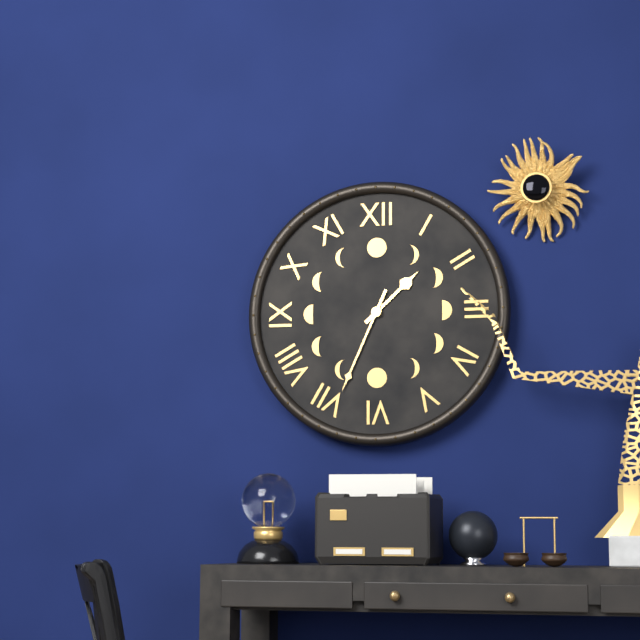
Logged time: 1,34
